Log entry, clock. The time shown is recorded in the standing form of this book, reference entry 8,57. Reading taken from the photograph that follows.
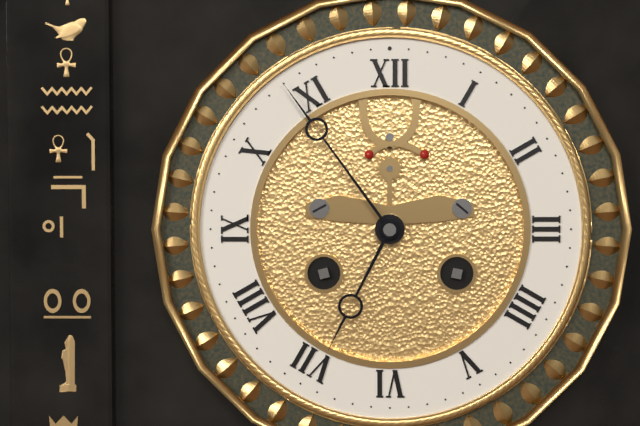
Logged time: 6,54
